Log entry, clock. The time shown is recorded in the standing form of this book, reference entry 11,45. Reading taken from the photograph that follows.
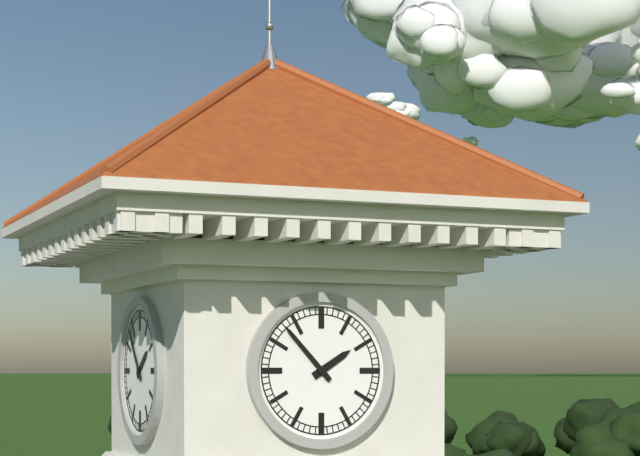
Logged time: 1,53
